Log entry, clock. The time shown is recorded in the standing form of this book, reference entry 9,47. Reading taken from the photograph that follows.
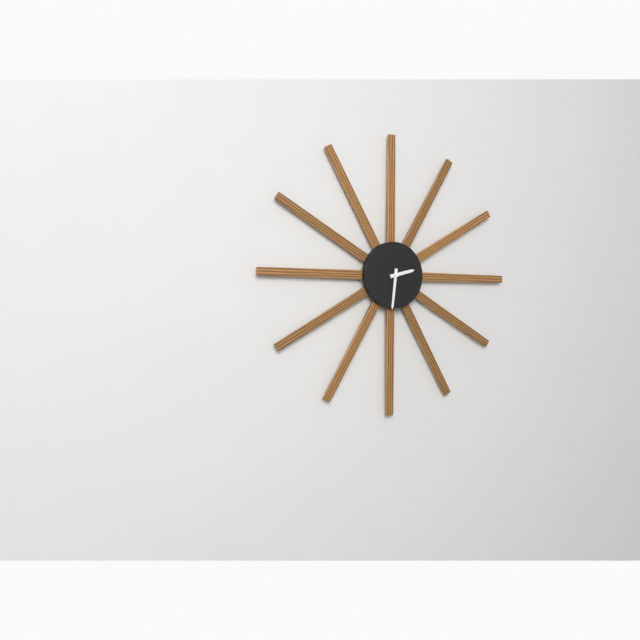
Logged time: 2,31
